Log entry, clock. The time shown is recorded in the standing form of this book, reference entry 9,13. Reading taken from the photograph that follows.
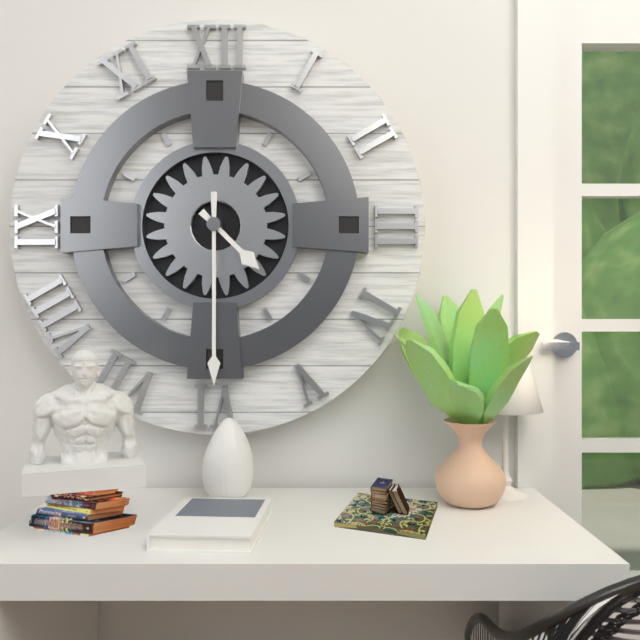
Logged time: 4,30
